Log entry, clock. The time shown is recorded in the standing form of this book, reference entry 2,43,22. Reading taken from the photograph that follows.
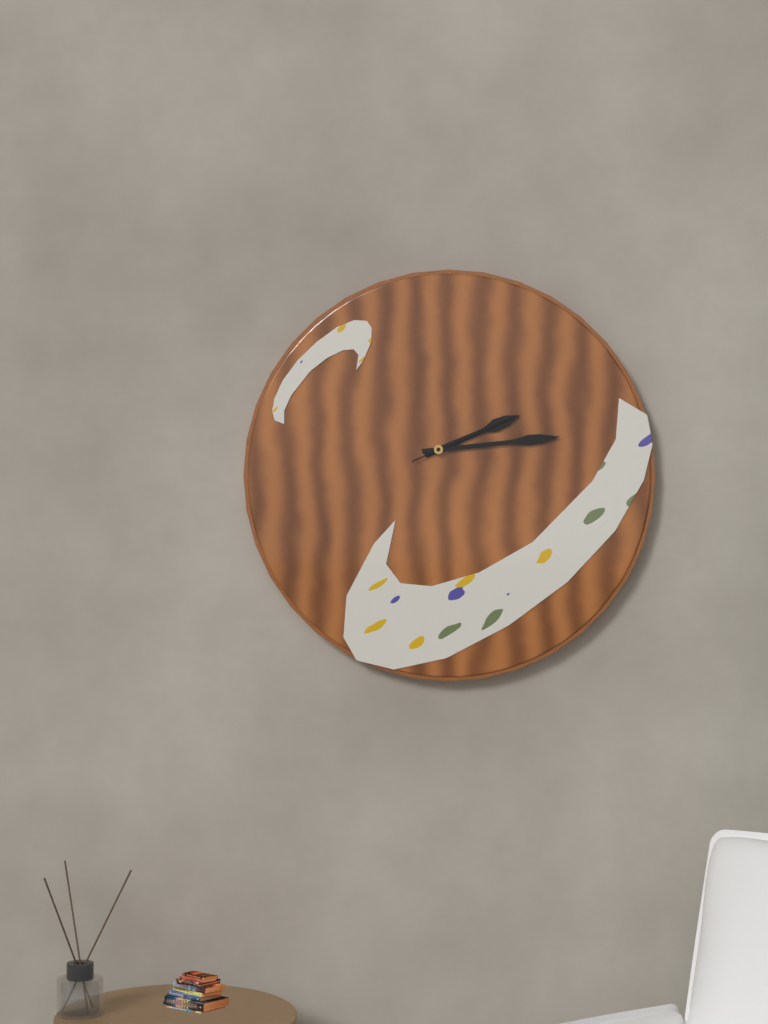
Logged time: 2,14,11
